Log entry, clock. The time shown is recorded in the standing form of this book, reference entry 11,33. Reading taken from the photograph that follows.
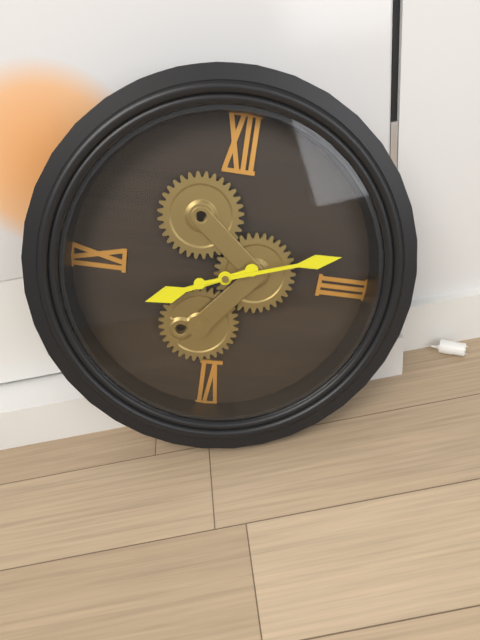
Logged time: 8,12
